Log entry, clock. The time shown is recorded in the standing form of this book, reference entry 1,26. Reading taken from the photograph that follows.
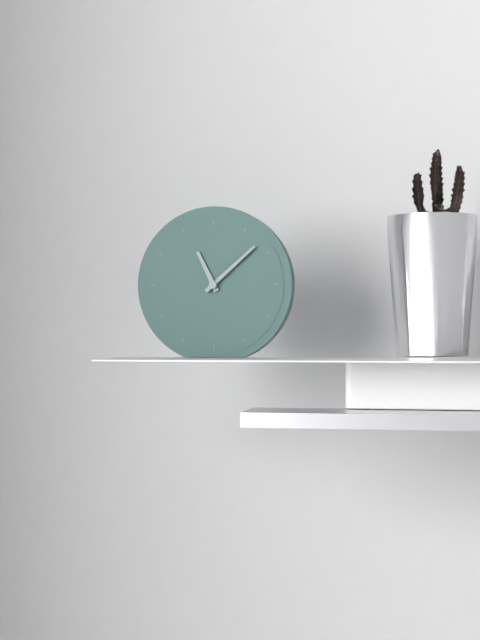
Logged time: 11,08
